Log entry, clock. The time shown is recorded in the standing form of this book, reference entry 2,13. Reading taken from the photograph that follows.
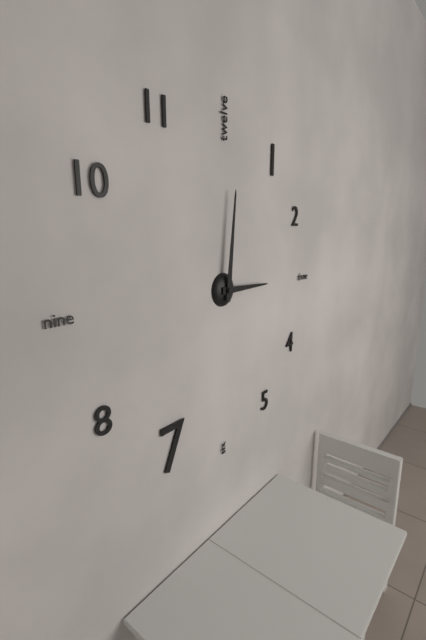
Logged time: 3,01
